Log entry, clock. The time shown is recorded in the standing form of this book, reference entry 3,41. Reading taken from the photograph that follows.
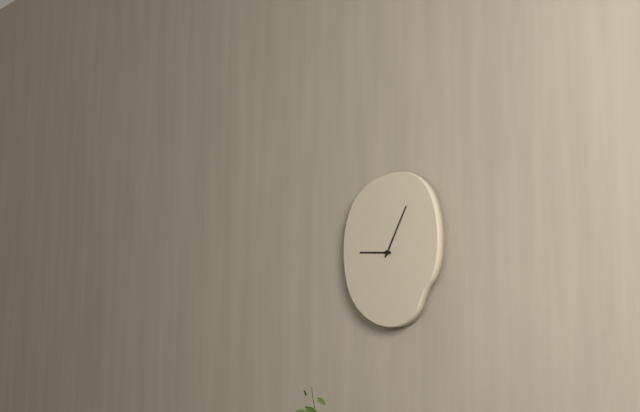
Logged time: 9,05
